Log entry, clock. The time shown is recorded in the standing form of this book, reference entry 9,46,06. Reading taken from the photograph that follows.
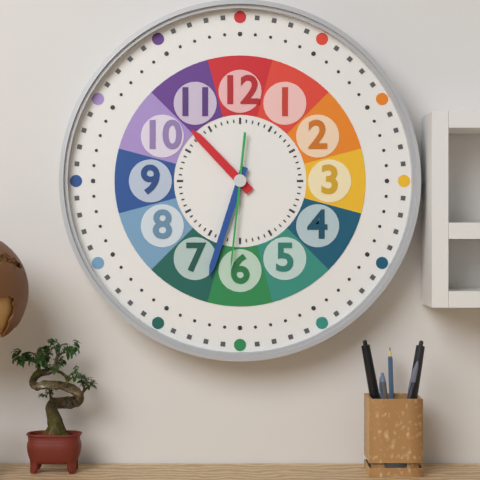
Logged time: 10,33,31
